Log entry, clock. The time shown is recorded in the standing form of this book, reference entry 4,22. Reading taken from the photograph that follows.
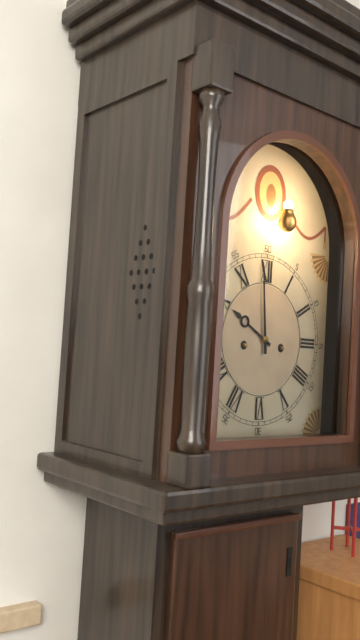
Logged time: 9,59
